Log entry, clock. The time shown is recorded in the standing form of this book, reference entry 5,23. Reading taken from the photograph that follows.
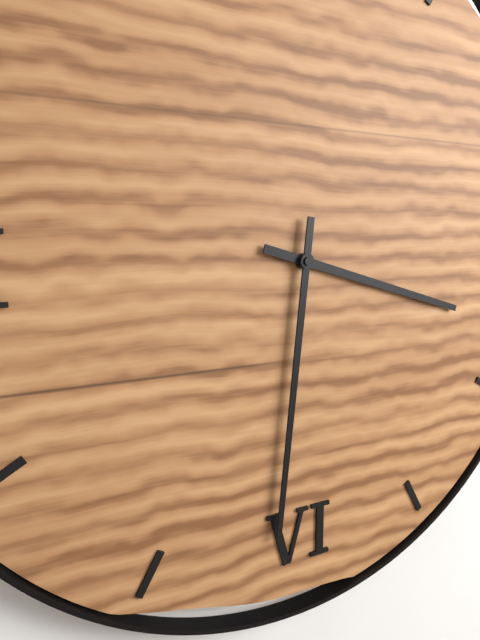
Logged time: 3,31
